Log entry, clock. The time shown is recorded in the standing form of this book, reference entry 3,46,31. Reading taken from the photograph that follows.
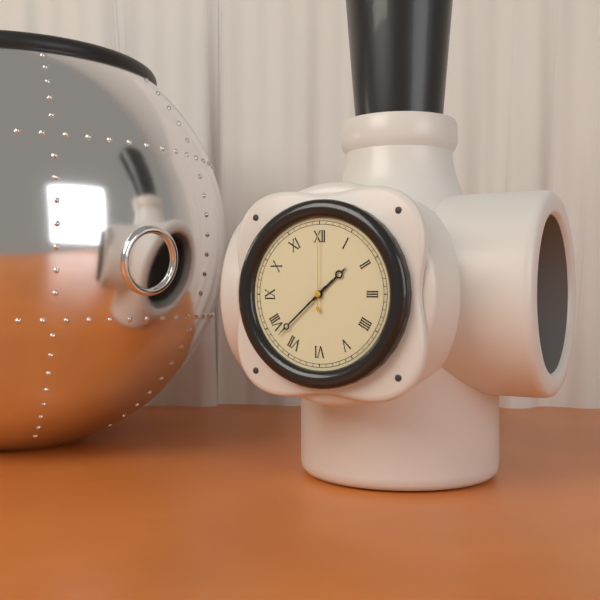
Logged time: 1,38,00
